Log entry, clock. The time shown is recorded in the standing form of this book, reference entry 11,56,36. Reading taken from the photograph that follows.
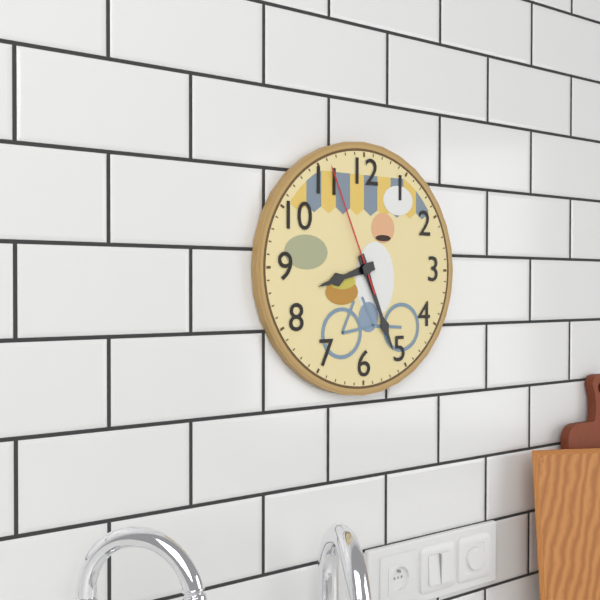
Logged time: 8,26,56
